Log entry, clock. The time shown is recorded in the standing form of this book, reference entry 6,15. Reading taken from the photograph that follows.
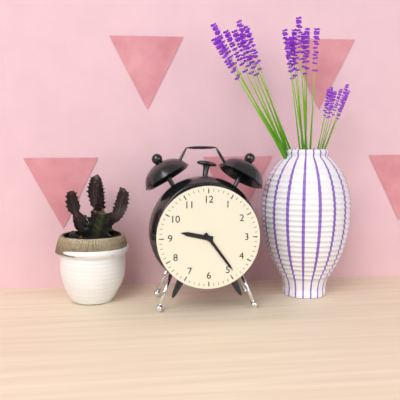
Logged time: 9,24
